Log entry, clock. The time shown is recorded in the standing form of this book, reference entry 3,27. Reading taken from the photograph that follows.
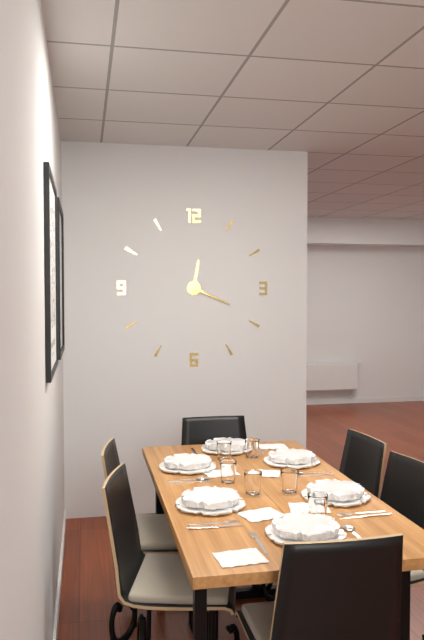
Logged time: 12,19
